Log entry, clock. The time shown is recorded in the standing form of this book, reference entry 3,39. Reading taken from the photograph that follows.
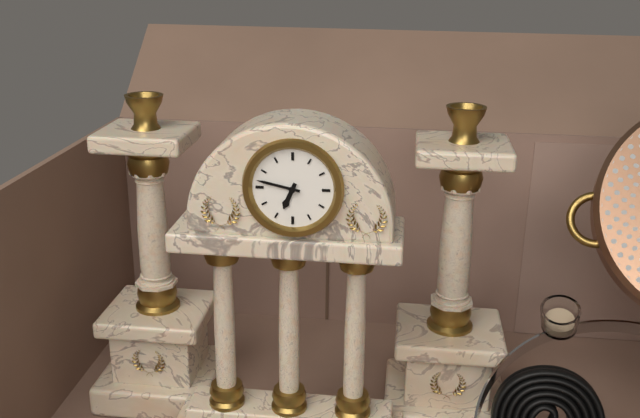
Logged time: 6,47
